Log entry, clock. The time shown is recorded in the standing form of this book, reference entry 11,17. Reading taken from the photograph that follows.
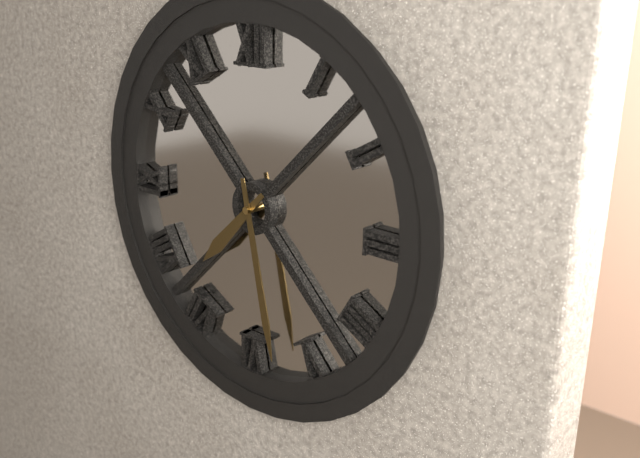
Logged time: 7,28
